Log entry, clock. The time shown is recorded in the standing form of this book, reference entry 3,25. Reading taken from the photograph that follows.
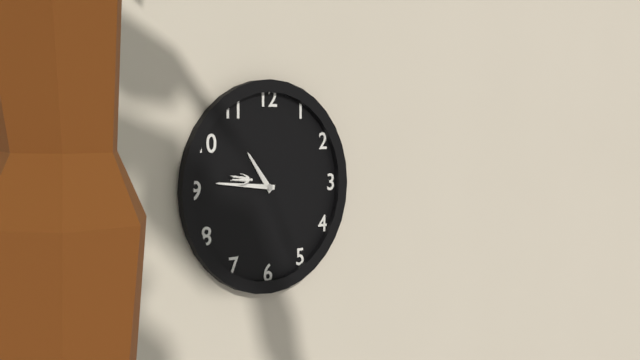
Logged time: 10,46
